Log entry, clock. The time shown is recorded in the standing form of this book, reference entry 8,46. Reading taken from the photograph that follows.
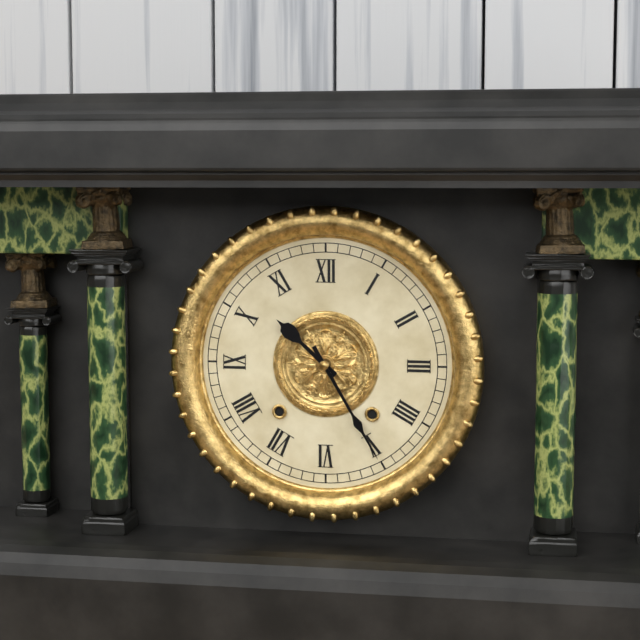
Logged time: 10,25
